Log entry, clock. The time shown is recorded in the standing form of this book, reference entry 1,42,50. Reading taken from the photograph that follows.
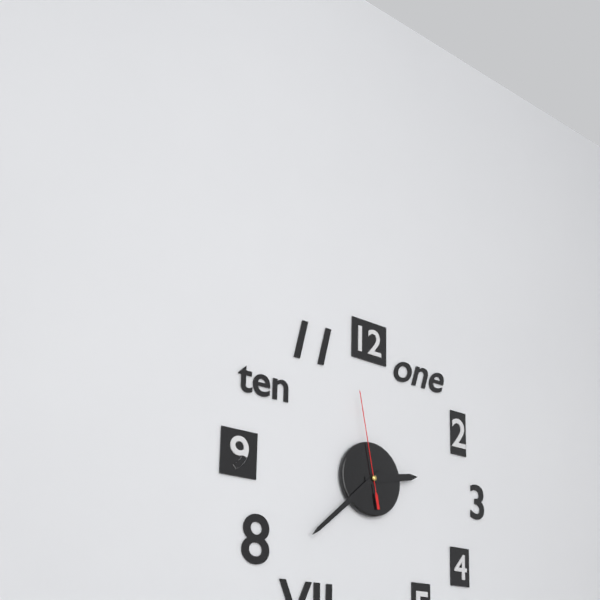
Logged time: 2,38,58
